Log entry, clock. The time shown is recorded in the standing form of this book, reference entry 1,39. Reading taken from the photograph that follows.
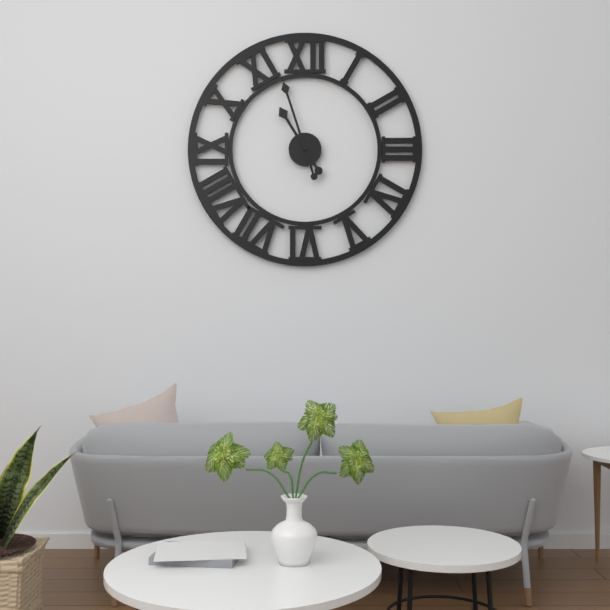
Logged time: 10,57
